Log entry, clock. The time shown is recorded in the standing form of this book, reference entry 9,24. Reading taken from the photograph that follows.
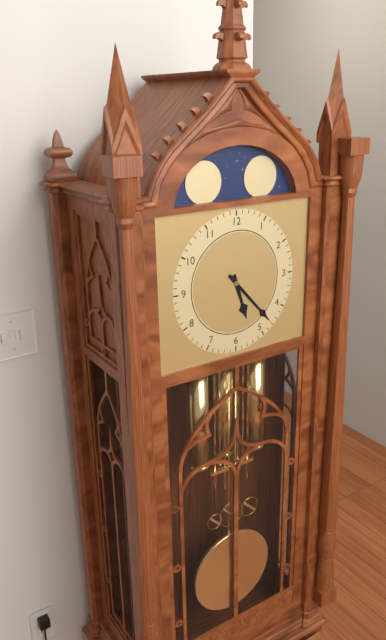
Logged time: 5,23
